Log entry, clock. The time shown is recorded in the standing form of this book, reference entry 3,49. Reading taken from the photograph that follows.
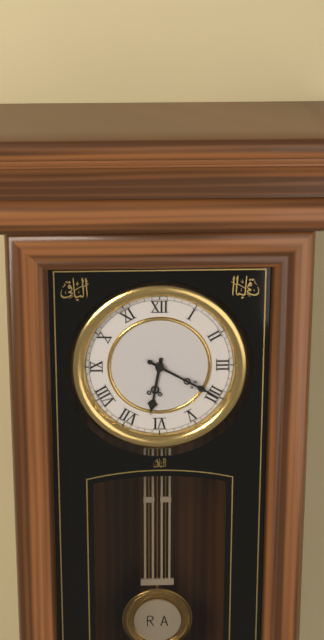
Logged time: 6,20
